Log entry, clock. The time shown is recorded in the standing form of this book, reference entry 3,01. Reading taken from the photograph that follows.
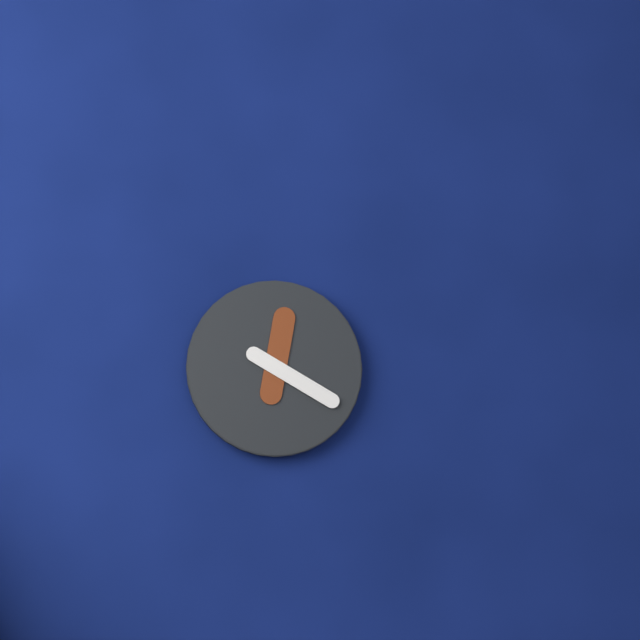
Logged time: 12,20
